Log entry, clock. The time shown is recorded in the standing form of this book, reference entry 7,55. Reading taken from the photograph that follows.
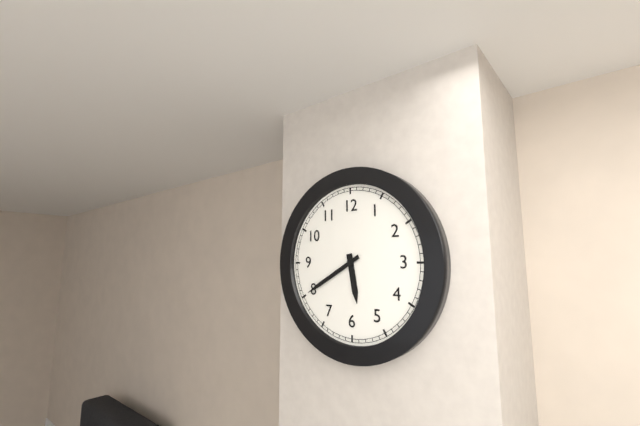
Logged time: 5,40
